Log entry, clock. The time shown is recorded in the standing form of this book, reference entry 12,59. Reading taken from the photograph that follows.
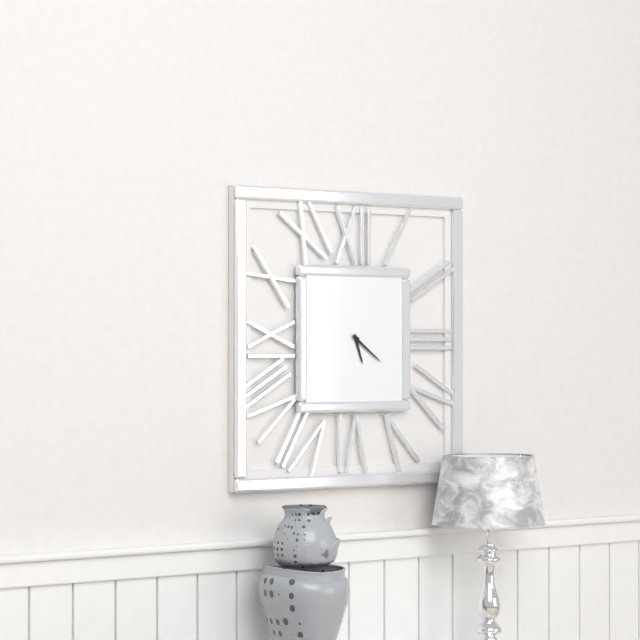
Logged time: 5,21
